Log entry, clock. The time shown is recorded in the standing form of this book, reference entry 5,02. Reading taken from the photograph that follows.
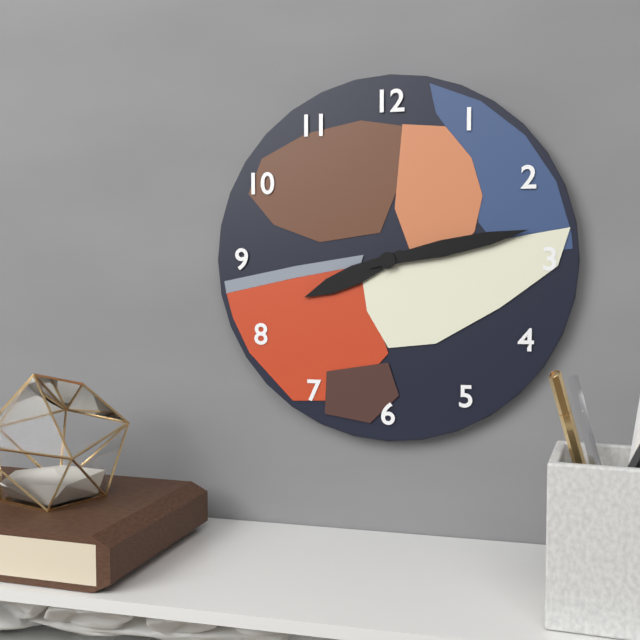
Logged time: 8,13
